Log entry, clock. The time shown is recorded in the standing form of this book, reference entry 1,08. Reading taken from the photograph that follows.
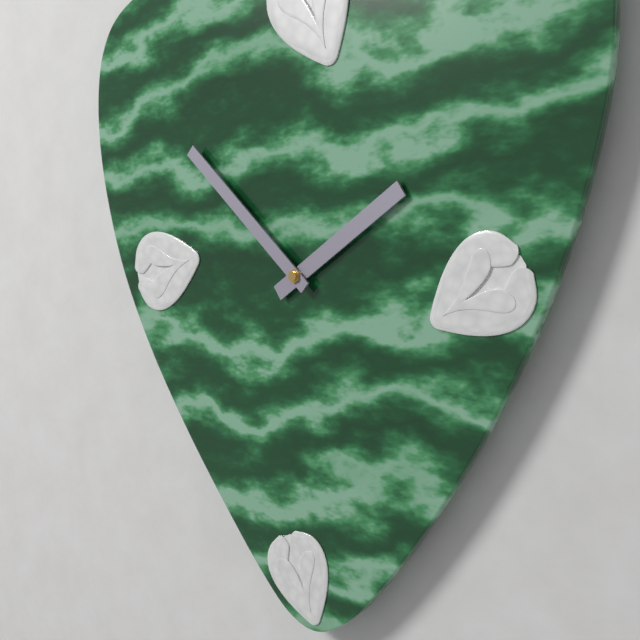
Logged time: 1,52
